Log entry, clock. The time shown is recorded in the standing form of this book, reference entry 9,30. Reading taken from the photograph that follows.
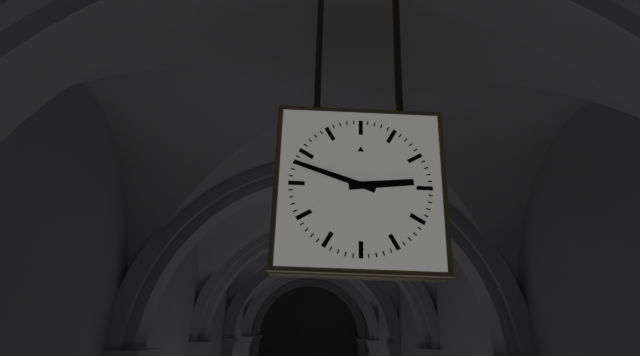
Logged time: 2,48
